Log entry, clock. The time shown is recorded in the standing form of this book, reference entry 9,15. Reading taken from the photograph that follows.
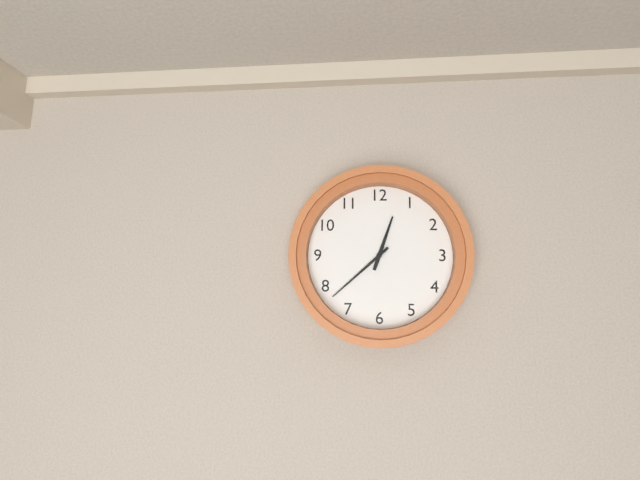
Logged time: 12,38
